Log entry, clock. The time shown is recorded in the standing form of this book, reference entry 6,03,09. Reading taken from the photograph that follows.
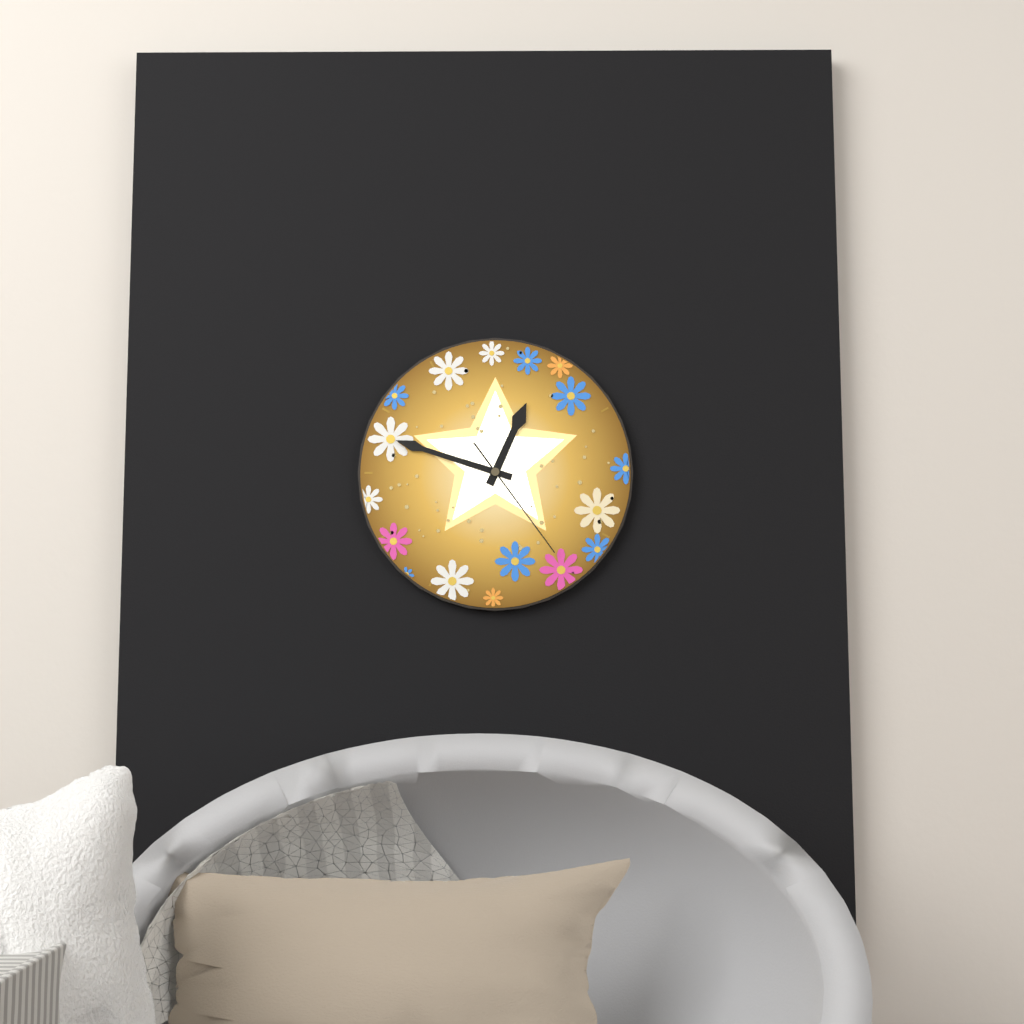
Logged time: 12,48,24
